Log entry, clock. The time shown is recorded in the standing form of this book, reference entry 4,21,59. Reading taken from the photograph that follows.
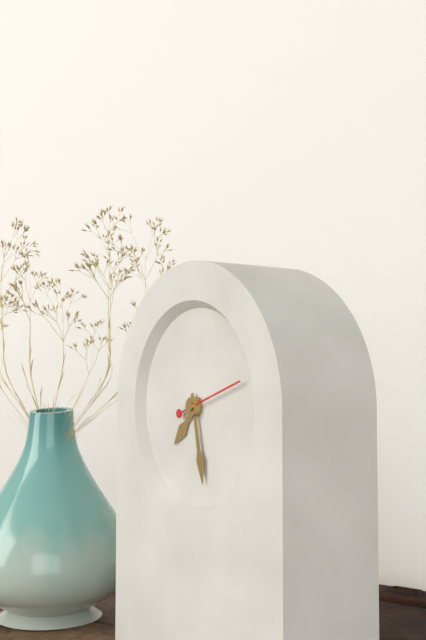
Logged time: 7,28,12
